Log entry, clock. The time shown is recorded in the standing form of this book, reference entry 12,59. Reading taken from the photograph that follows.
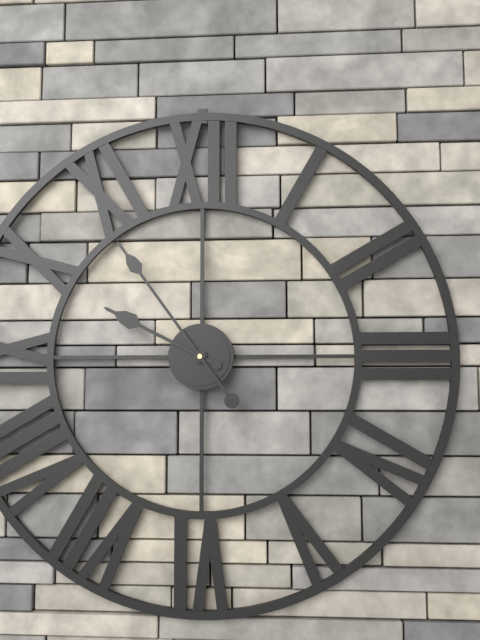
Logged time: 9,54
